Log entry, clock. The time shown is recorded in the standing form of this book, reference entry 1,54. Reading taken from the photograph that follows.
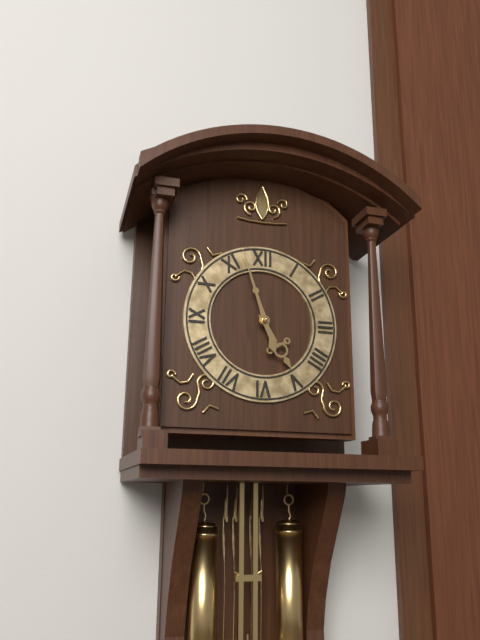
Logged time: 4,57
